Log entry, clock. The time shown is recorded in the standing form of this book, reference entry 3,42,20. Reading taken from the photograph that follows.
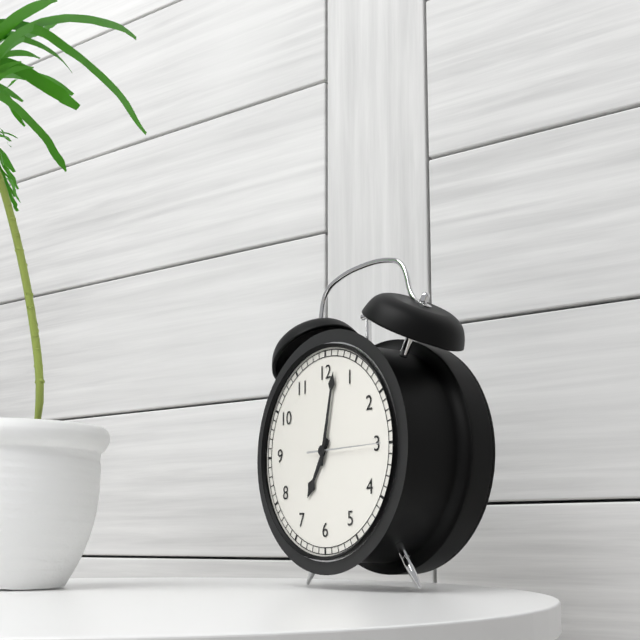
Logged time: 7,02,15
